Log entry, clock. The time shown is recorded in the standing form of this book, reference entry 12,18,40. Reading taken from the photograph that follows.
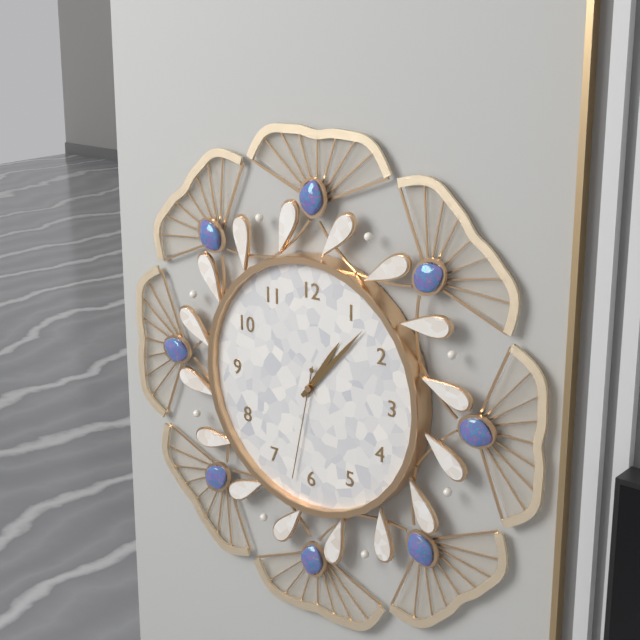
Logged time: 1,07,32
